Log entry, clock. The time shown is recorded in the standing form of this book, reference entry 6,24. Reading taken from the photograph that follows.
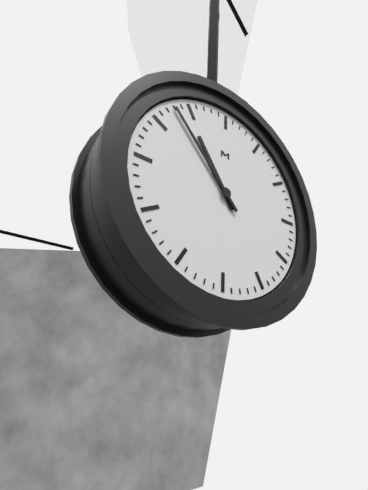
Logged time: 10,53
